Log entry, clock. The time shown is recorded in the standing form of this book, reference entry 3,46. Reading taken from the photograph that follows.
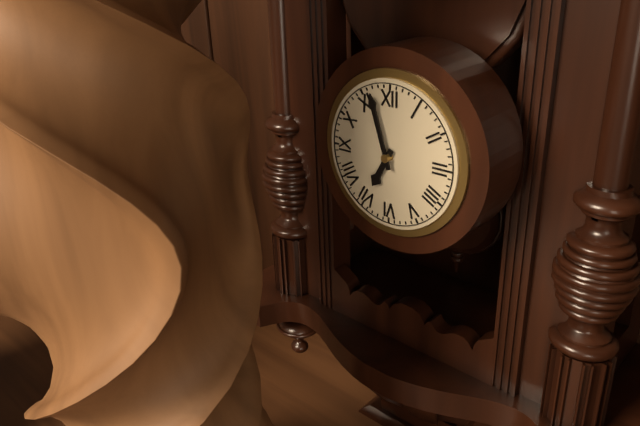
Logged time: 6,57
